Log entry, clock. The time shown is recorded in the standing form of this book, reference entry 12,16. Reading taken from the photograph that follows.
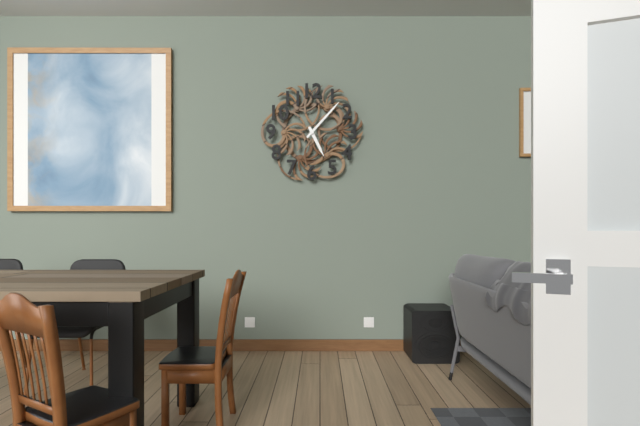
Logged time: 5,07
